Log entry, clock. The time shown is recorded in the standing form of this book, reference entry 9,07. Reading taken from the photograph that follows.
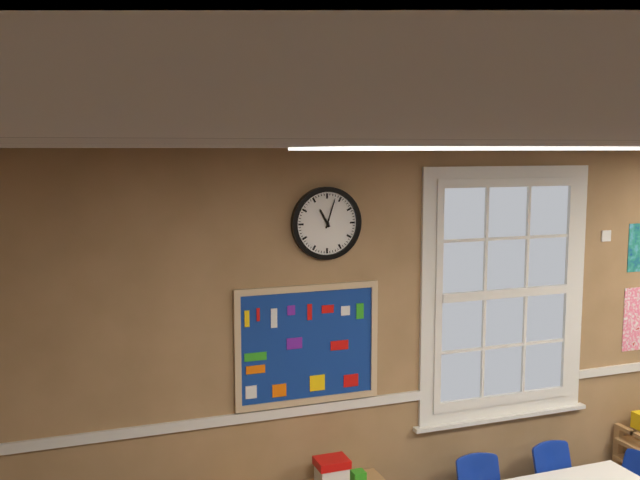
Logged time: 11,03
